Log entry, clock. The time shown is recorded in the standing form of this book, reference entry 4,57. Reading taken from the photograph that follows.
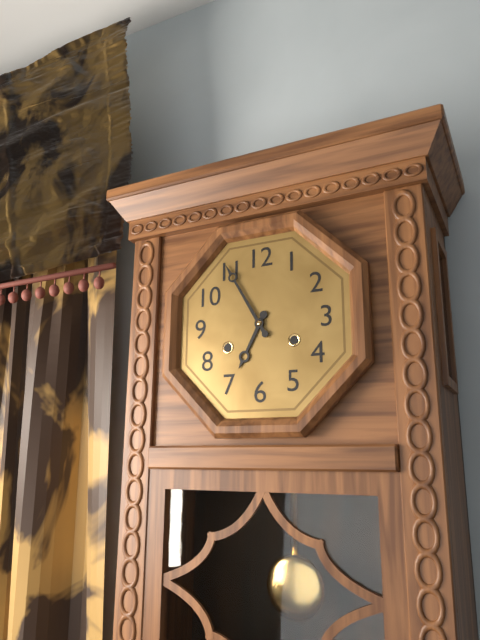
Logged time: 6,55
